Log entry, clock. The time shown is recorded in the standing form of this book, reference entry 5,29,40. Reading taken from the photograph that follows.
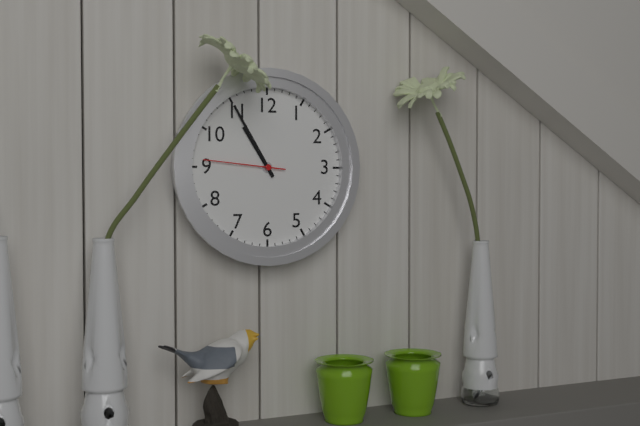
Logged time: 10,55,46
